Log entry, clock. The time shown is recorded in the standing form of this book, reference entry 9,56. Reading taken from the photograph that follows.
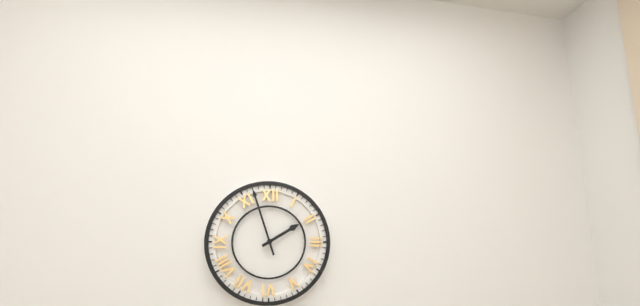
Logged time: 1,57
